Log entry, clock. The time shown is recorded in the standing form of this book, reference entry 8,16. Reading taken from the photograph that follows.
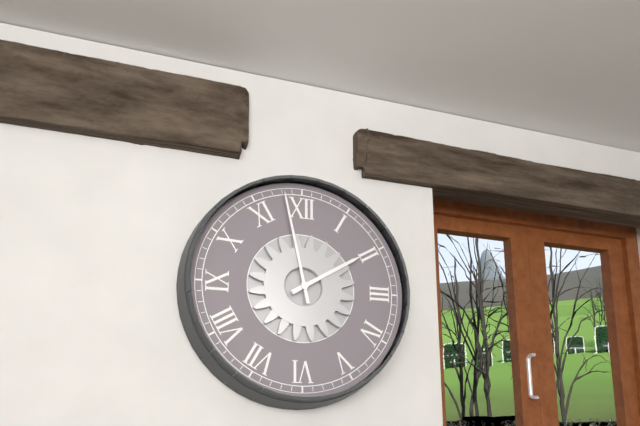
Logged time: 1,58
